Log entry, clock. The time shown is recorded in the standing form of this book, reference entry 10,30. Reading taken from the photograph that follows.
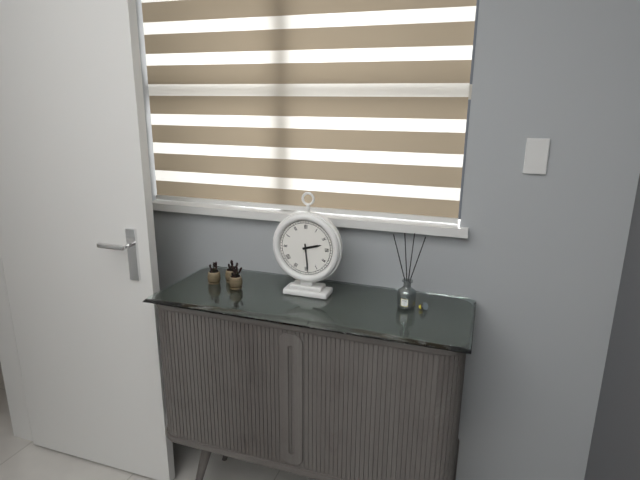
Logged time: 2,29
